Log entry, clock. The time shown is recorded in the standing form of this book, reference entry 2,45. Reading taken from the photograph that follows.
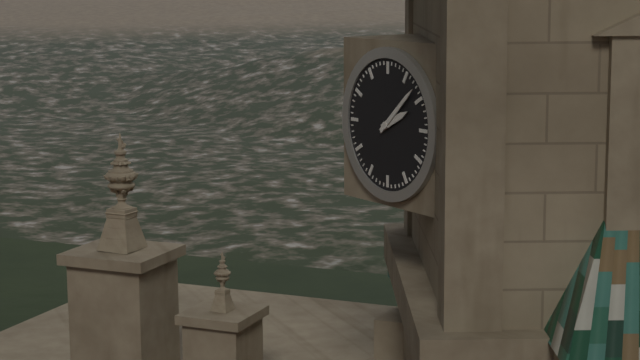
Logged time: 2,08
